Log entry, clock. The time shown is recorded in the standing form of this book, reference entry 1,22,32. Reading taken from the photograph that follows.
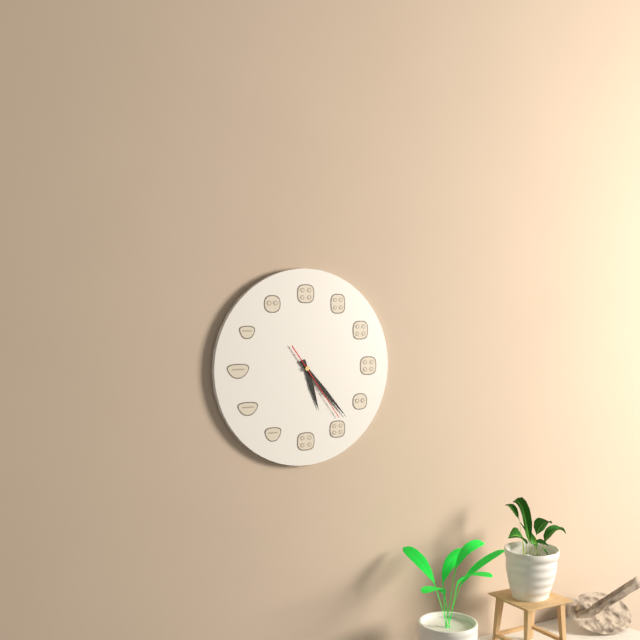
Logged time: 5,23,24
